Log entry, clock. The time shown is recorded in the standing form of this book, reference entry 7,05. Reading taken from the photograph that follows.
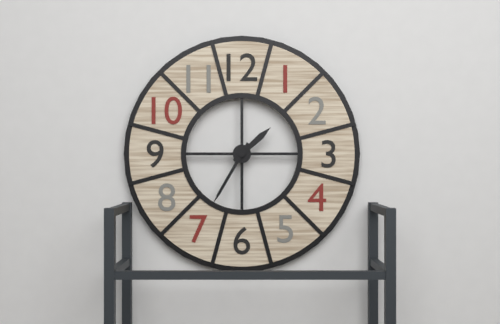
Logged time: 1,35
